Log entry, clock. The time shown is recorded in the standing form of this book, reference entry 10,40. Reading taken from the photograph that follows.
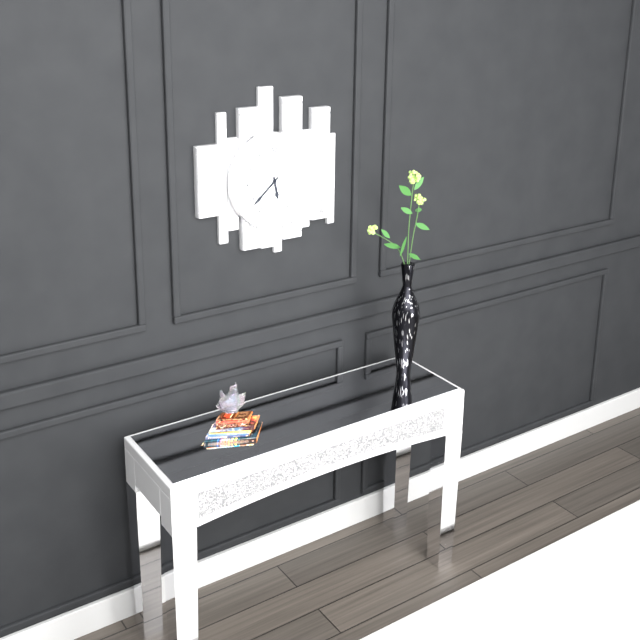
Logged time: 5,38
